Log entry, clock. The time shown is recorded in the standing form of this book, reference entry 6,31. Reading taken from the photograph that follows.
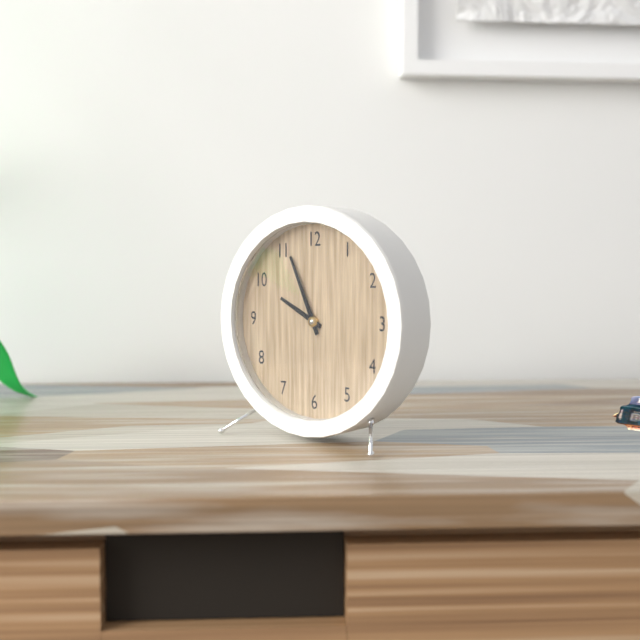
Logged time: 9,56
